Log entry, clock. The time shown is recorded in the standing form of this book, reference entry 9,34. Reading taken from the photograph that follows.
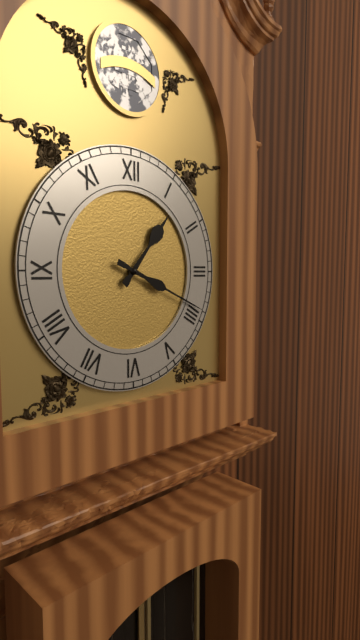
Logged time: 1,19
